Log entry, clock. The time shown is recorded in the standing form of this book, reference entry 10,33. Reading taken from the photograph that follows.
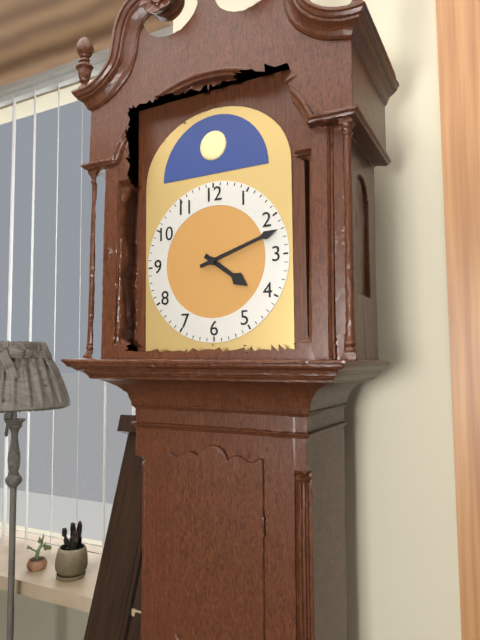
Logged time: 4,12
